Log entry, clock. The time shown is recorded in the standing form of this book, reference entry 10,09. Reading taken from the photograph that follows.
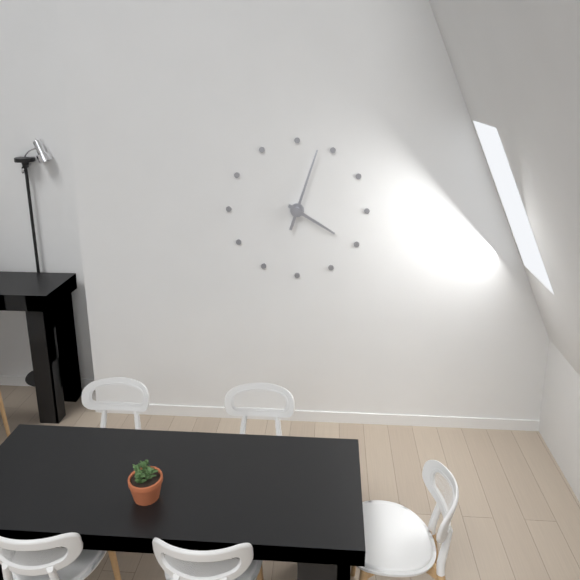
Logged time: 4,03
